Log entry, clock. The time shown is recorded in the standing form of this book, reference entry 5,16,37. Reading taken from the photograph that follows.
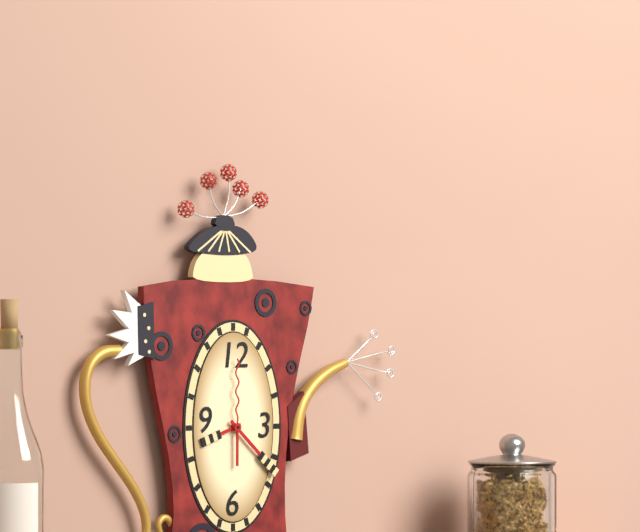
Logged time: 8,22,00
